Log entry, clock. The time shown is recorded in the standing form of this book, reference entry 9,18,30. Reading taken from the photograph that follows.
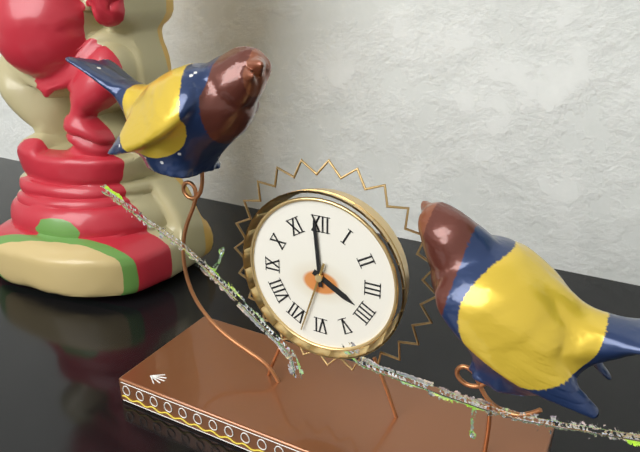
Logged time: 3,59,33
